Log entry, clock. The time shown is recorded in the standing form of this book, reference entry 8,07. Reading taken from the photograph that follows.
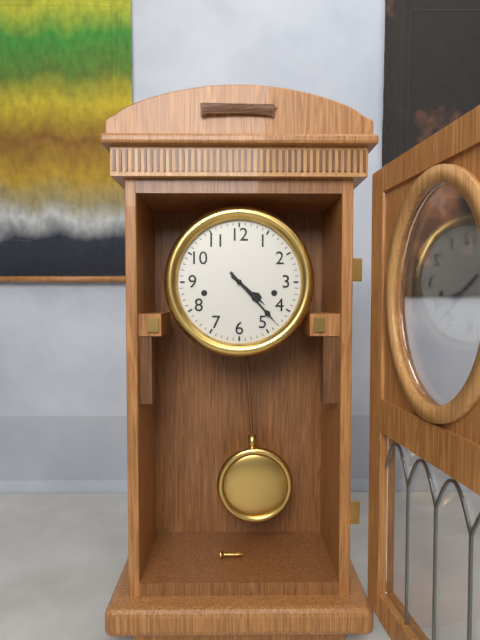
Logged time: 4,23
